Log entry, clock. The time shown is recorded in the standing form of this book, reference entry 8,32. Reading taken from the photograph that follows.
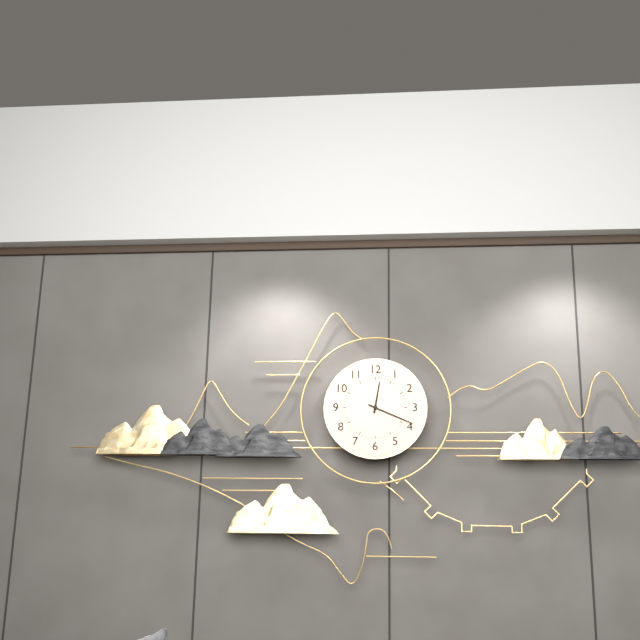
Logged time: 12,19
